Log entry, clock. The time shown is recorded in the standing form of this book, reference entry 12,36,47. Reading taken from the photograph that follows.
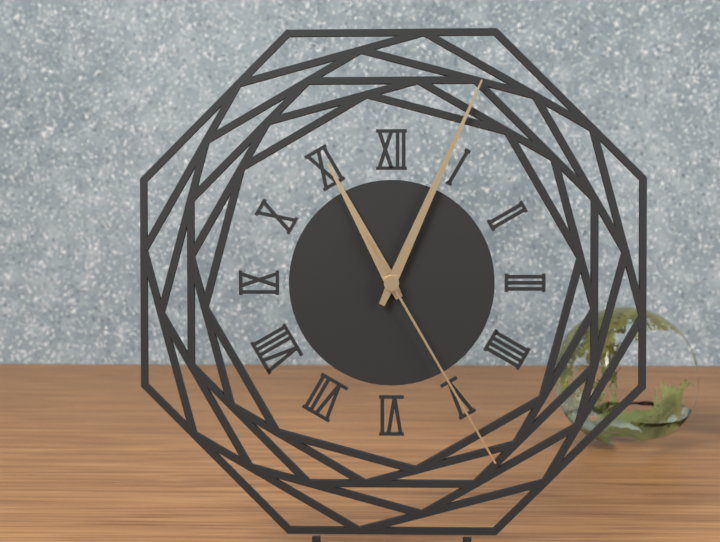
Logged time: 11,04,25
